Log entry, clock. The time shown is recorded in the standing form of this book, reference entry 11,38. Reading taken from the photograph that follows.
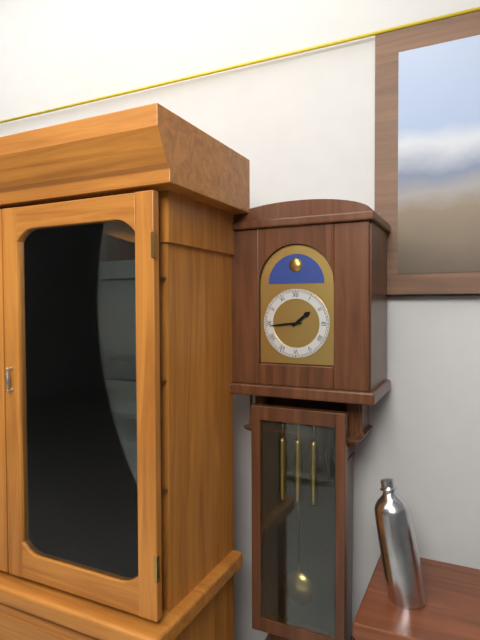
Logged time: 1,44
